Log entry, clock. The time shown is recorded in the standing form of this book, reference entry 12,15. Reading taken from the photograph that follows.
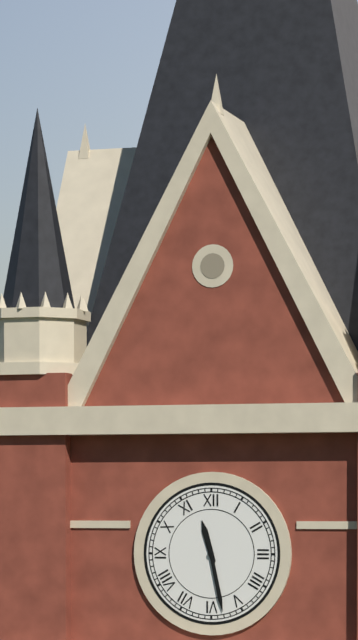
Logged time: 11,28
